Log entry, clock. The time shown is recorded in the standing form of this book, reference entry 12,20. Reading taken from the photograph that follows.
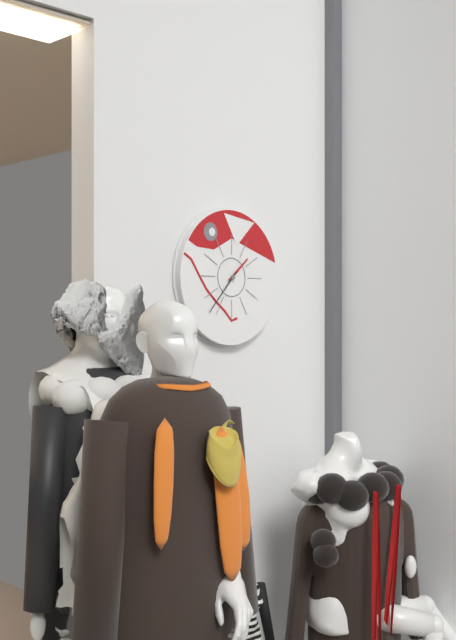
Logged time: 1,37
